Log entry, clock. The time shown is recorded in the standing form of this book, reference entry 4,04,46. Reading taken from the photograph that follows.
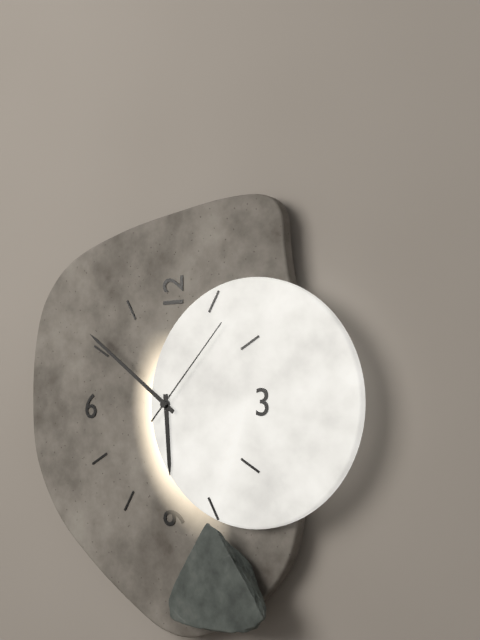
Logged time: 5,51,07
